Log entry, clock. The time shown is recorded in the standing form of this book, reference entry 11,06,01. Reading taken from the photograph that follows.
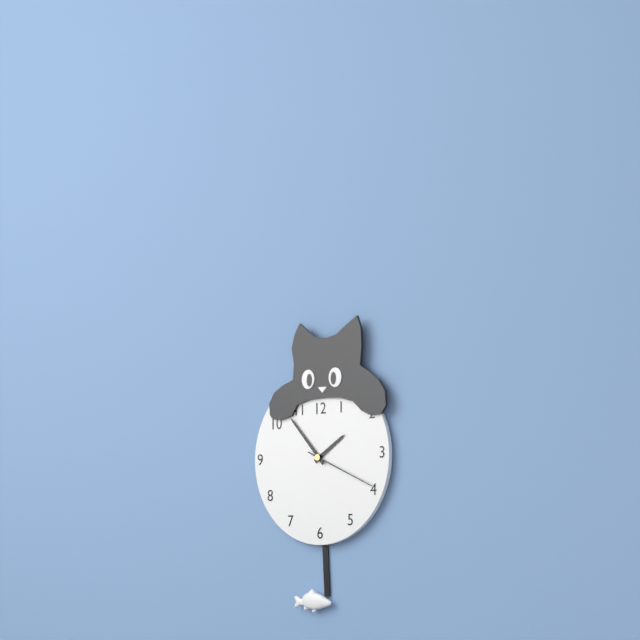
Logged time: 1,53,19
